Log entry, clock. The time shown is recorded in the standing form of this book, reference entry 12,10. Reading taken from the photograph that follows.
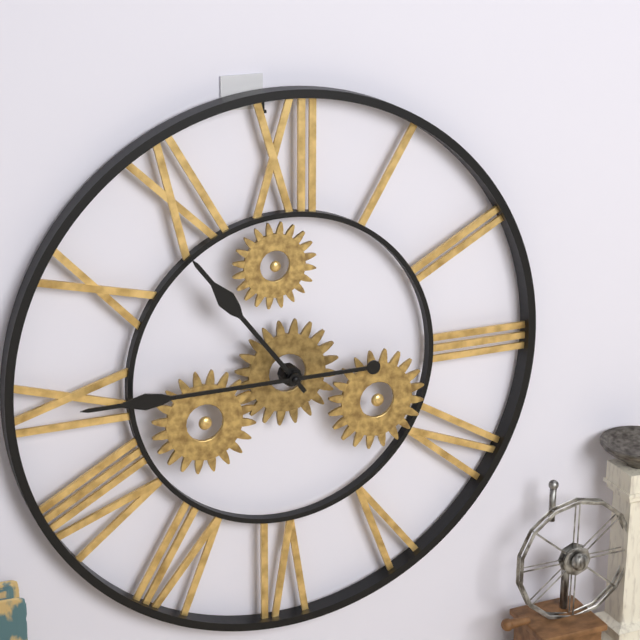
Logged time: 10,45
